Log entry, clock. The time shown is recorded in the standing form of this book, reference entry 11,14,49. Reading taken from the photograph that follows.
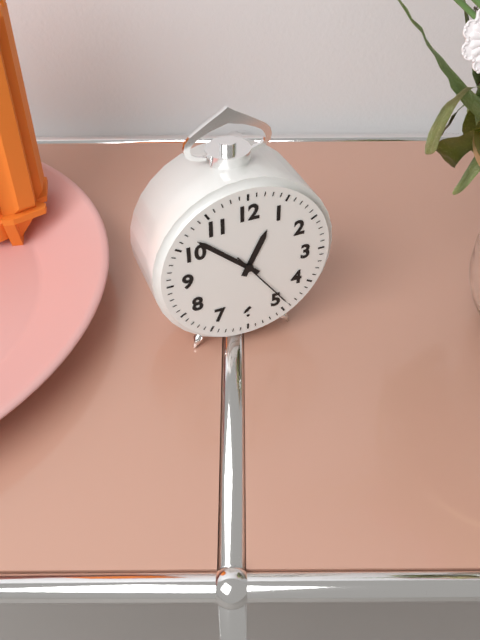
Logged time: 12,52,24
